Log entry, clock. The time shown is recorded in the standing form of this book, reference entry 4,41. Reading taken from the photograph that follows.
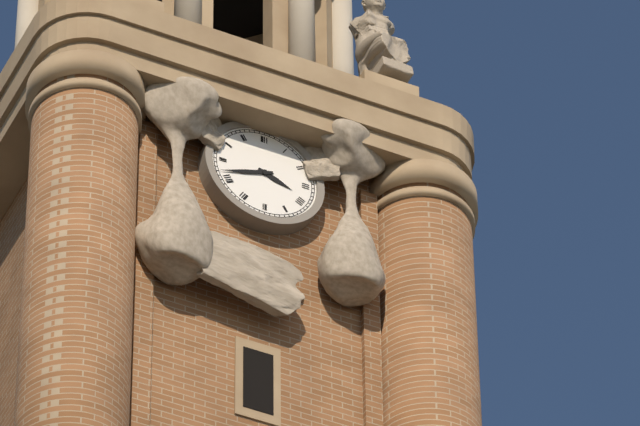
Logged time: 3,42
